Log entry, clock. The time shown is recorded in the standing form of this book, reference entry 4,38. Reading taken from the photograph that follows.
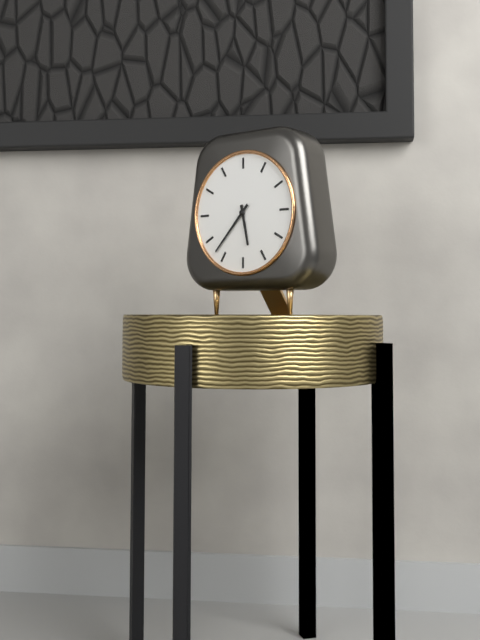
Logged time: 5,37
